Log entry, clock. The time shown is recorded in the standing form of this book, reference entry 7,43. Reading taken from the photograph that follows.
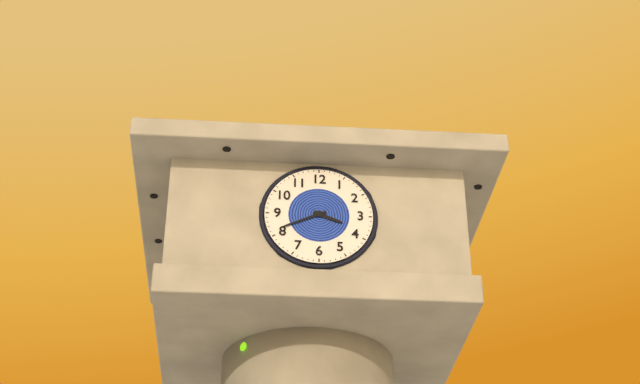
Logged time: 3,41
